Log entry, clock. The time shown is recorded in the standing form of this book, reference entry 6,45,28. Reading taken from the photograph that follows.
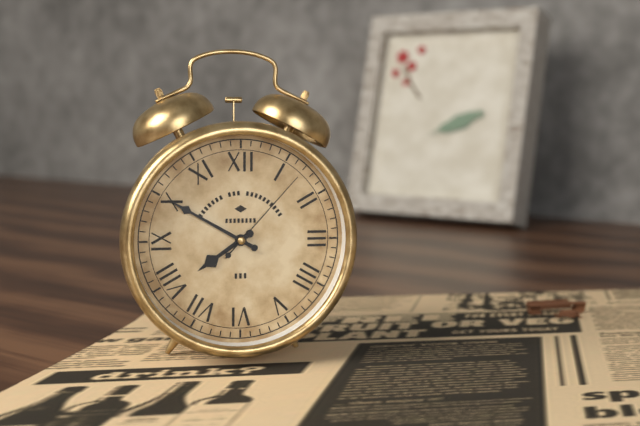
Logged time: 7,50,07
